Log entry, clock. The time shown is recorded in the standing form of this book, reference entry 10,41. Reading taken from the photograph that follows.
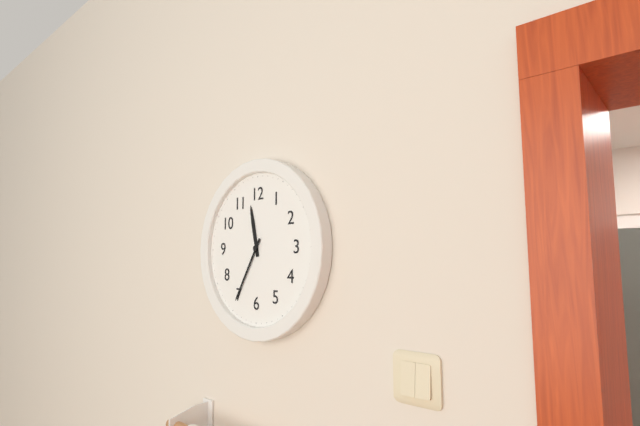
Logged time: 11,35
